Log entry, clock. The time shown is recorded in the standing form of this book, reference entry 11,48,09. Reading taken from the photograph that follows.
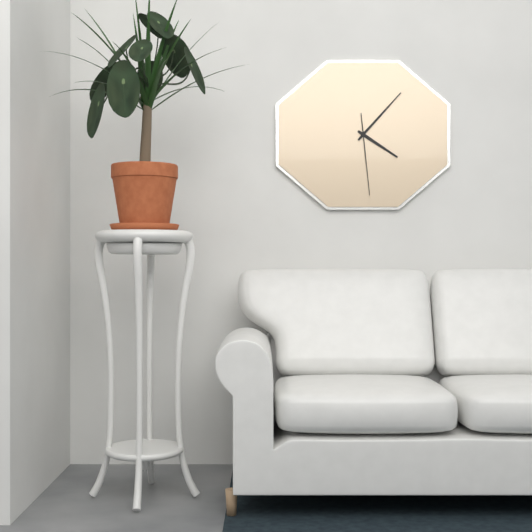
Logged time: 4,07,29
